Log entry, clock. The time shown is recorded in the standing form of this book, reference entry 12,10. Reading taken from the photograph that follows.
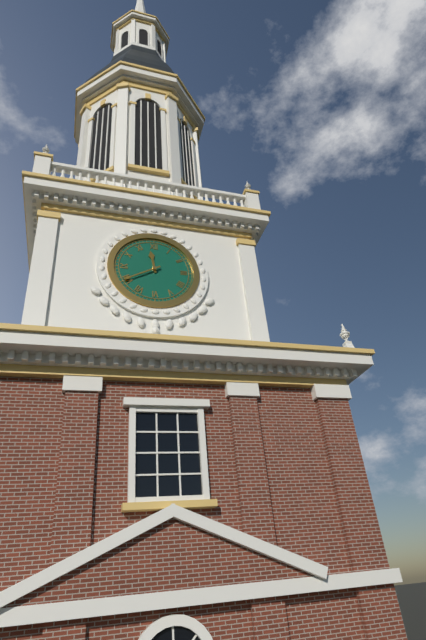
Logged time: 11,40
